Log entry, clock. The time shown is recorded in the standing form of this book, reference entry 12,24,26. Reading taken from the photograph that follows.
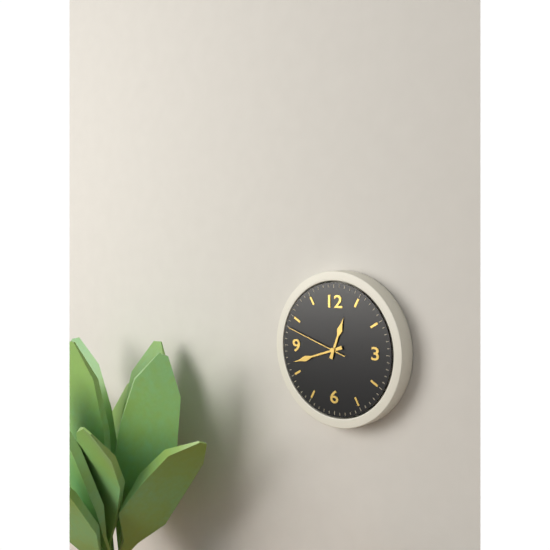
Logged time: 12,42,48
